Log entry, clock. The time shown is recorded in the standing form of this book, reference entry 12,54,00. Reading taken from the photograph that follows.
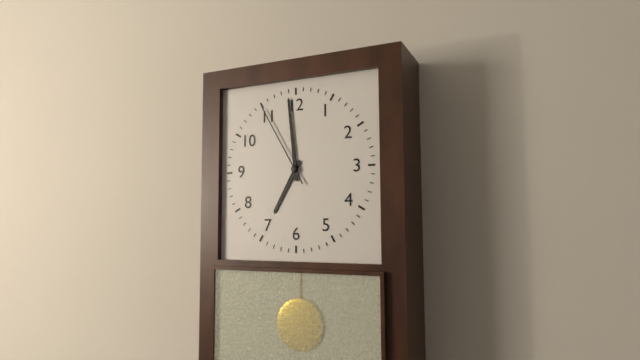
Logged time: 6,59,55
